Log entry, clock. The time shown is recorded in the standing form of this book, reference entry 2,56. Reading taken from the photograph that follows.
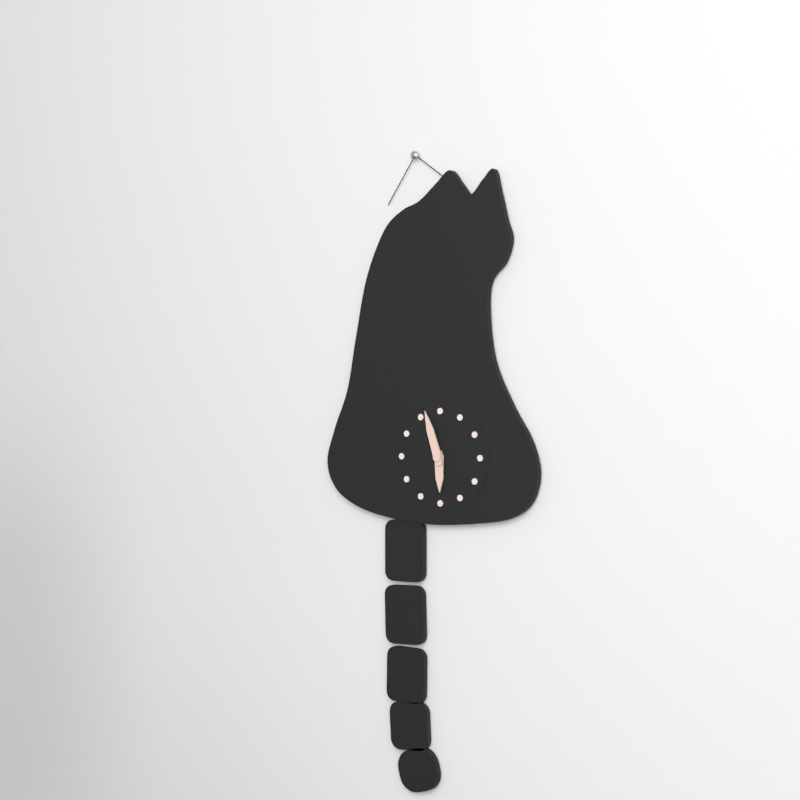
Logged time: 5,57
